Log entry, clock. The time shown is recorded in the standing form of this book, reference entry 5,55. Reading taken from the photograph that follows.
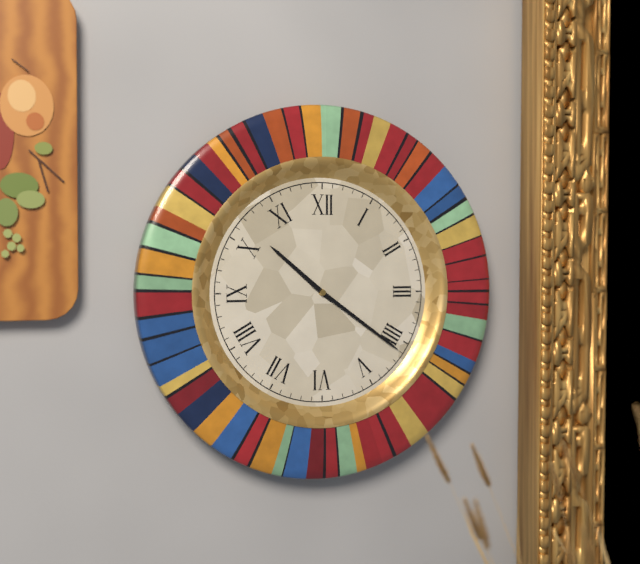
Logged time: 10,21
